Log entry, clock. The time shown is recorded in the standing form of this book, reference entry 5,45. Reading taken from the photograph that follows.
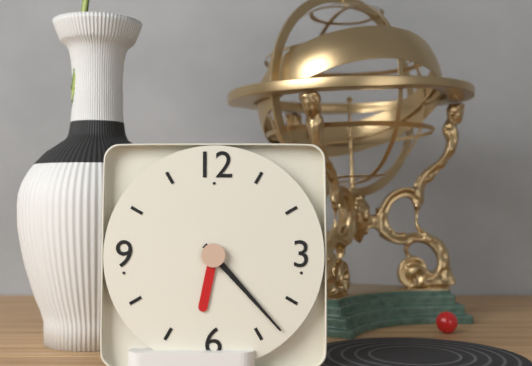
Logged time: 6,23
